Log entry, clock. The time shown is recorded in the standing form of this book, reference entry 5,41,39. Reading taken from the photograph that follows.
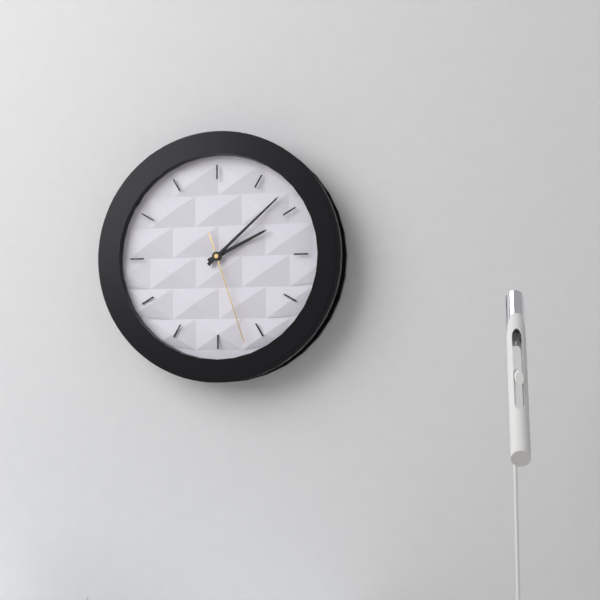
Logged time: 2,08,27
